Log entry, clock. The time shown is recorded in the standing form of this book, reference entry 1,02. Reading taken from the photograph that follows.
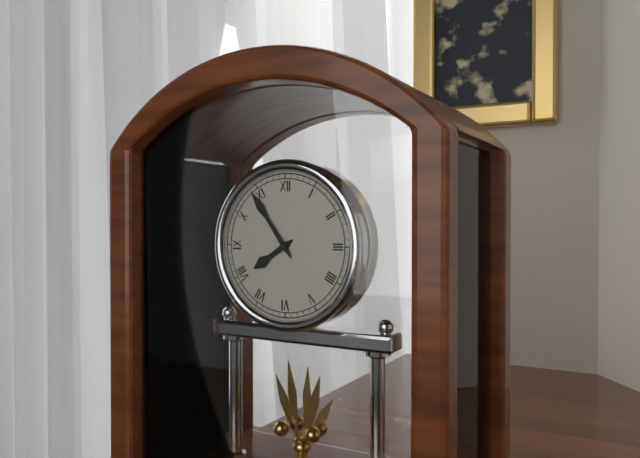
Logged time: 7,54
